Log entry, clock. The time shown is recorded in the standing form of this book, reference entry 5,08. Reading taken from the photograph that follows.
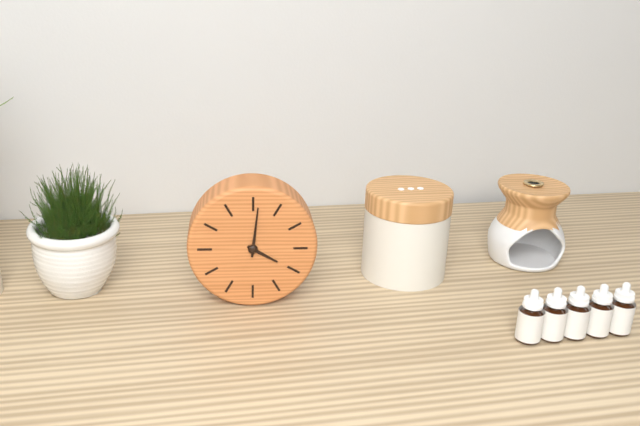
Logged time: 4,01
